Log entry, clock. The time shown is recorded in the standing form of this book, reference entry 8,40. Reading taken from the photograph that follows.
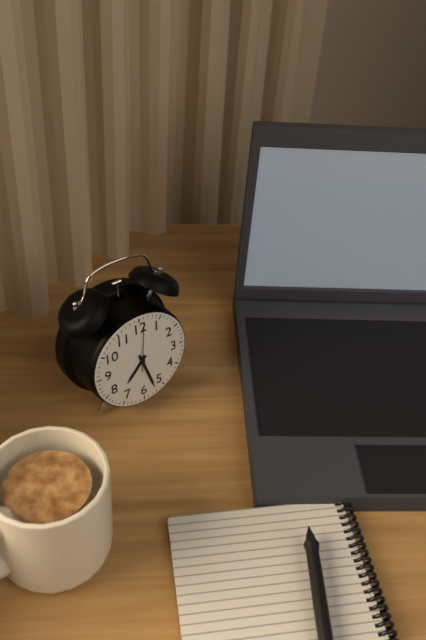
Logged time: 7,27
